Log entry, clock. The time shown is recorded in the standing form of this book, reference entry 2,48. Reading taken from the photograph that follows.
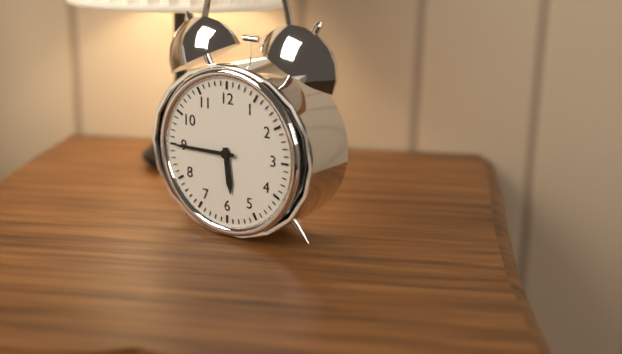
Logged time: 5,45
